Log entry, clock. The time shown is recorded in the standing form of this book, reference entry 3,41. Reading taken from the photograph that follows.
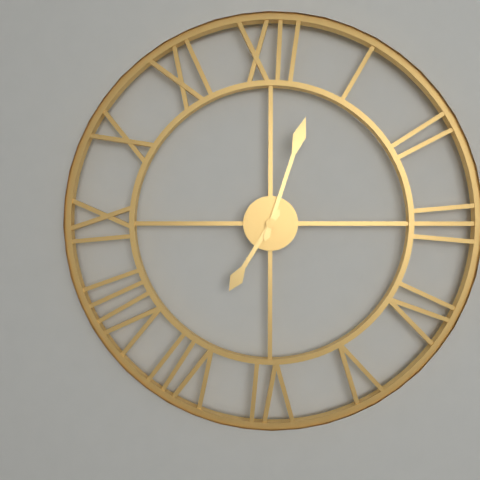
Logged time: 7,03
